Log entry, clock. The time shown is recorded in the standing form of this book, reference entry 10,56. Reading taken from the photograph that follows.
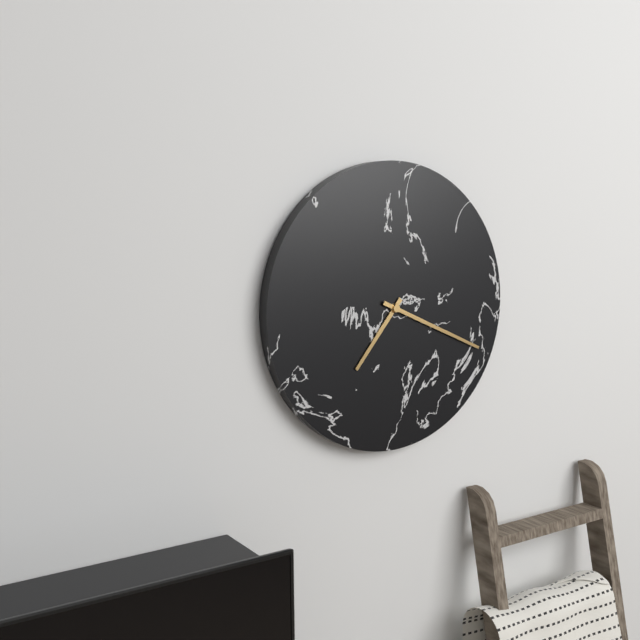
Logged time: 7,19
